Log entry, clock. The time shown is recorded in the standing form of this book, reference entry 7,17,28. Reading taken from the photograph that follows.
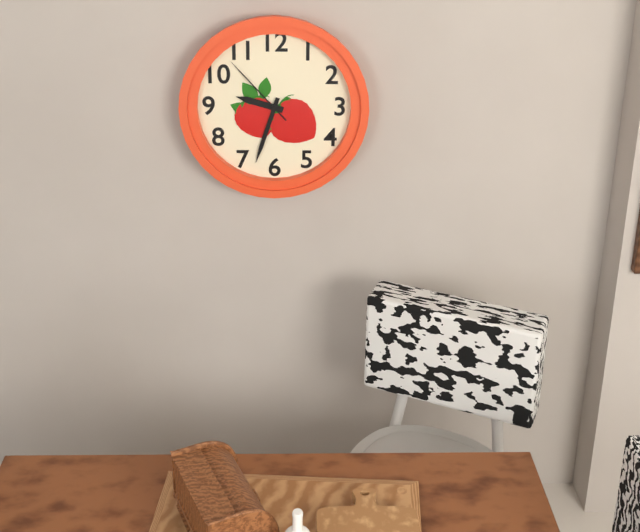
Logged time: 9,33,53
